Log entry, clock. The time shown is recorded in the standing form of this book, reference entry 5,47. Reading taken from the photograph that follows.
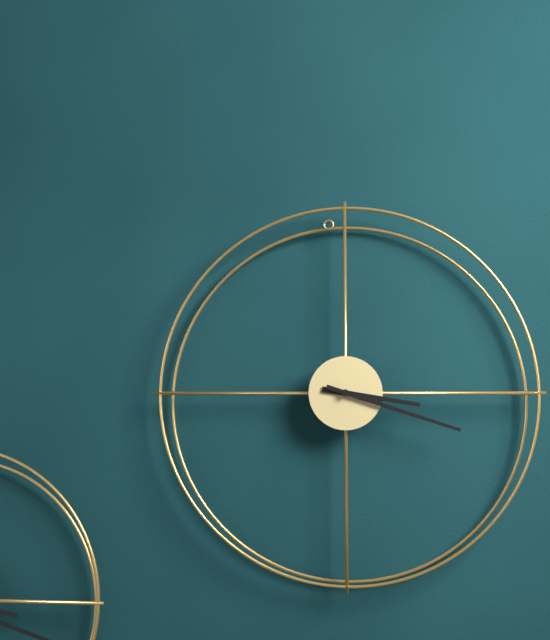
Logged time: 3,18
